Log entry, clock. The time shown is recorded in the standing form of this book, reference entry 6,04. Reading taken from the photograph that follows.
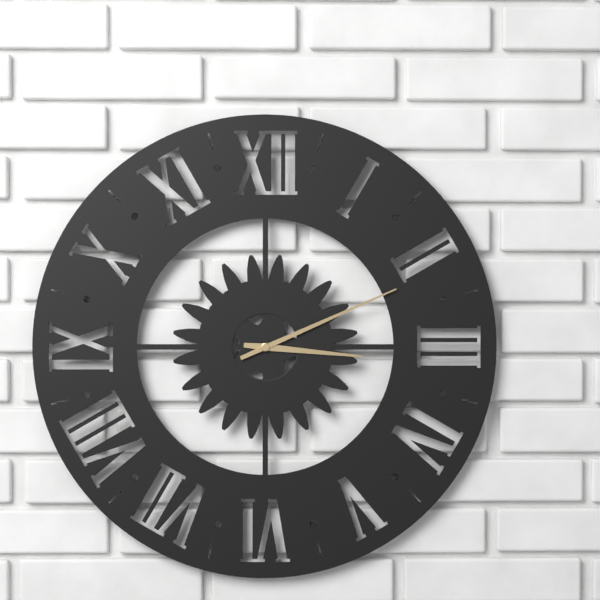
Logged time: 3,11
